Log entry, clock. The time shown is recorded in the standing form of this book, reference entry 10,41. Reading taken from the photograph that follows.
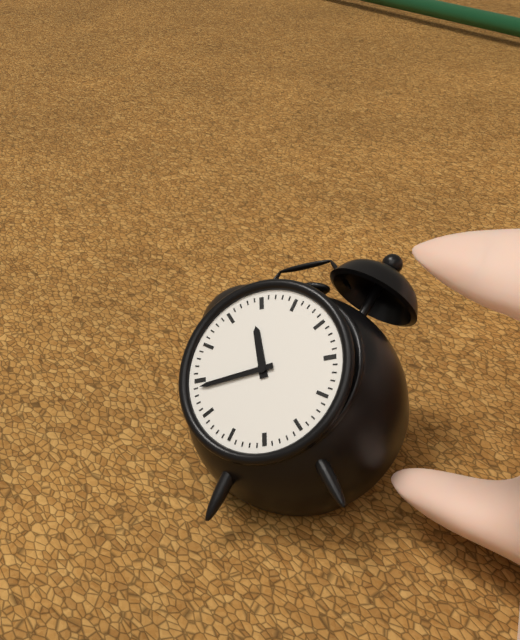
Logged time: 11,44
